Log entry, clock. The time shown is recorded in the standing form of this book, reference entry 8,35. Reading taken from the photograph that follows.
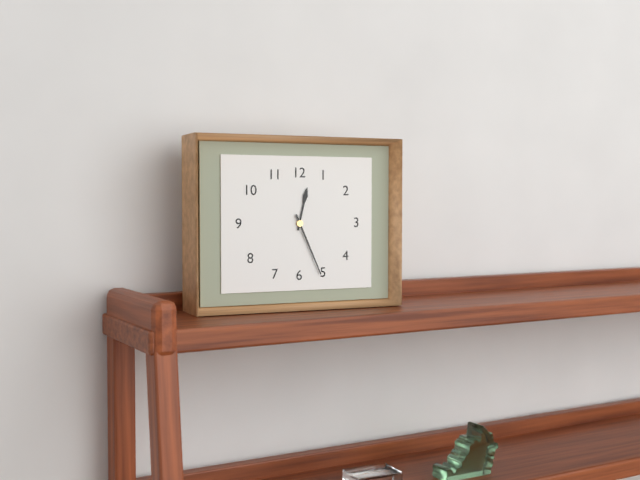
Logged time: 12,26
